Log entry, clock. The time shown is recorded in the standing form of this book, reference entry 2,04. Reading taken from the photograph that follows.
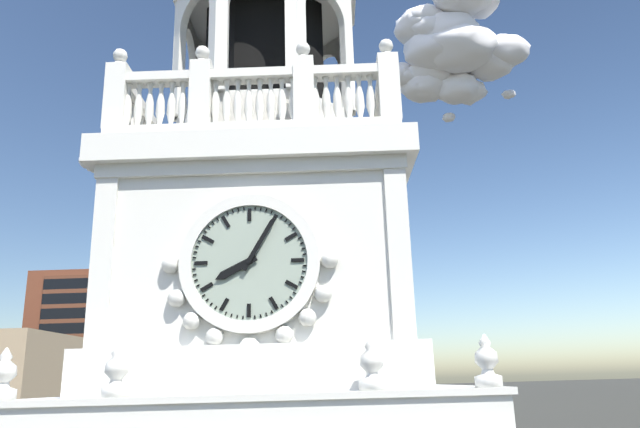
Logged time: 8,05
